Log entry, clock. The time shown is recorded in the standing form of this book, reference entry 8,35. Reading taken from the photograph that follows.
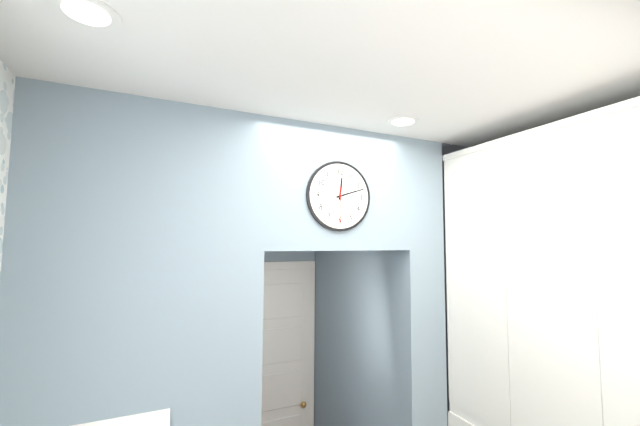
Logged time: 12,12
